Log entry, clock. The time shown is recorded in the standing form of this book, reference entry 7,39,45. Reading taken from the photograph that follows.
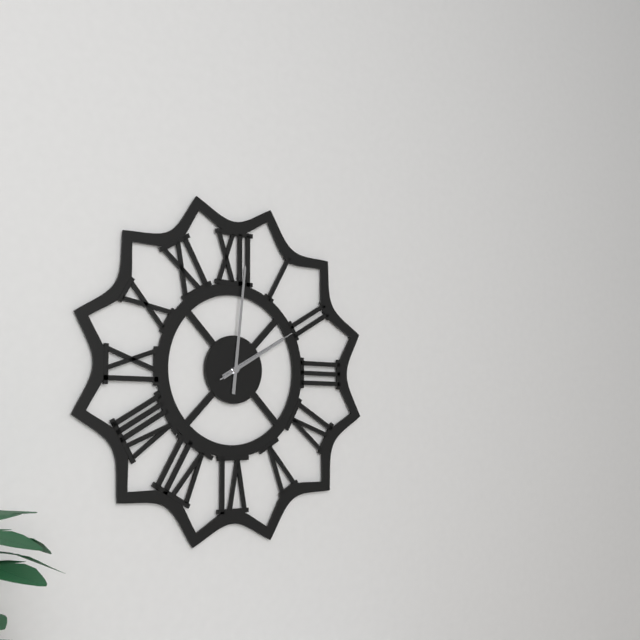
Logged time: 2,01,10
